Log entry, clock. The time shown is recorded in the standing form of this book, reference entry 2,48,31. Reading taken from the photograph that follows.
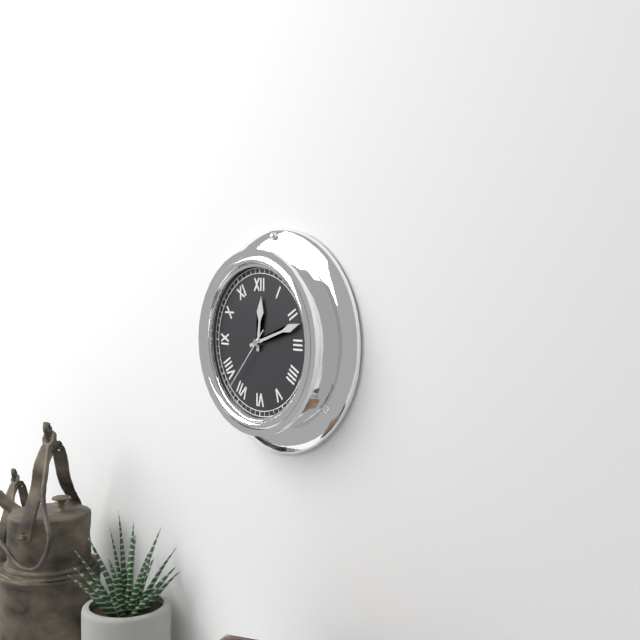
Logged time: 12,12,37
